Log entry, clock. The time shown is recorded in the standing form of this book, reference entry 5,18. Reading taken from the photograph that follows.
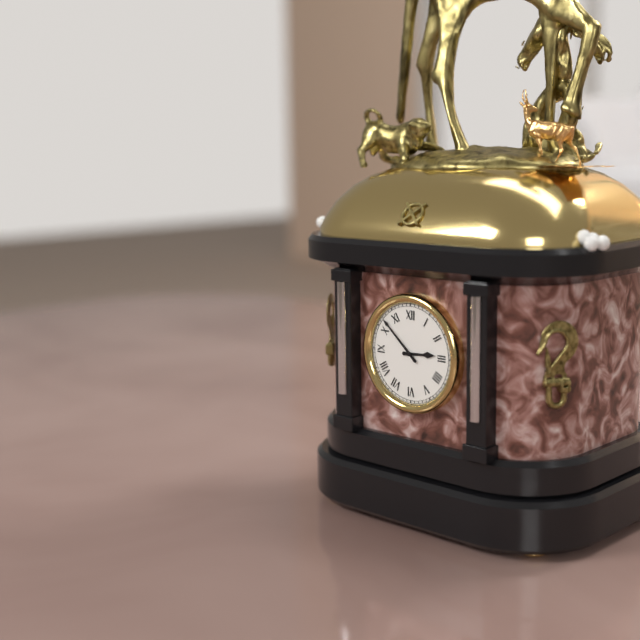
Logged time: 2,52
